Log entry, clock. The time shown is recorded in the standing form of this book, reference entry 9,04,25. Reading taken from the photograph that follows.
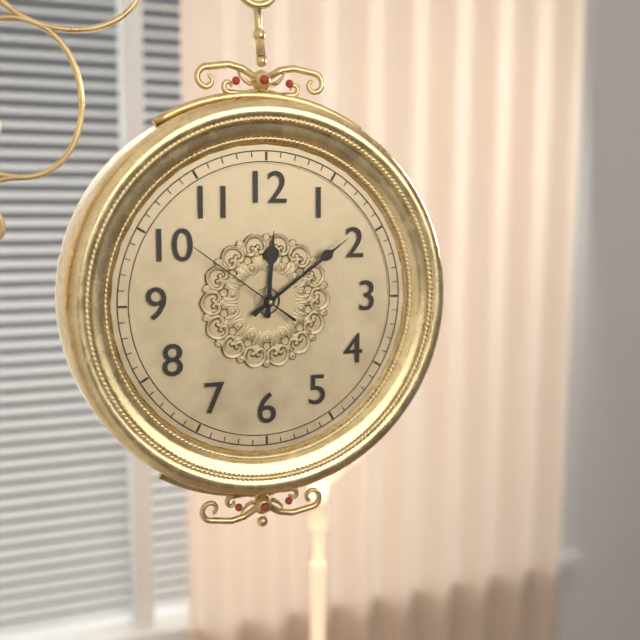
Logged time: 12,09,51
